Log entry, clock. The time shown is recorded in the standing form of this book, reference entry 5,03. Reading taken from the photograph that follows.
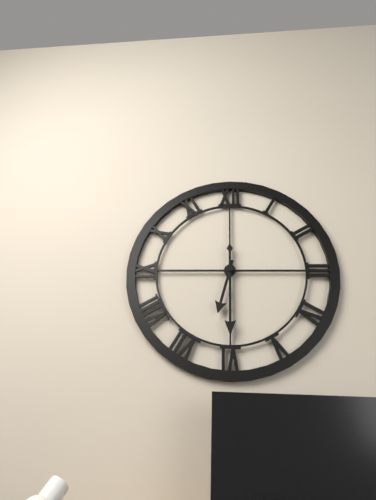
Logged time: 6,30
